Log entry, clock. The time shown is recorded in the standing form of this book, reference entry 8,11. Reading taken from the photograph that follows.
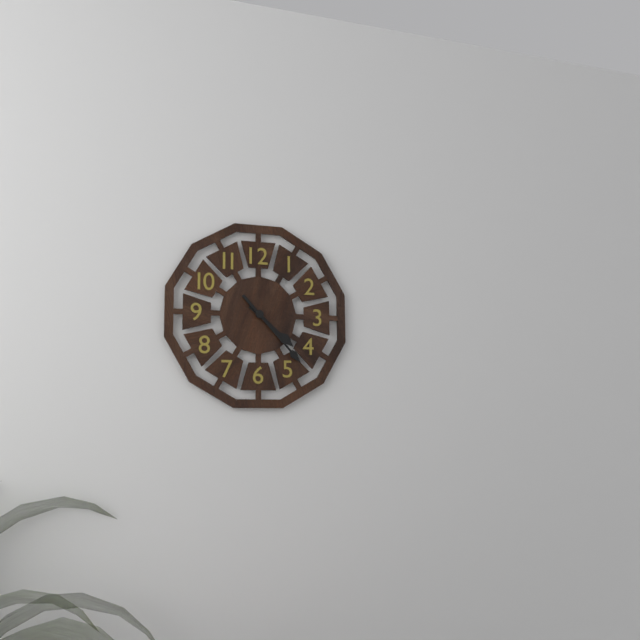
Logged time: 4,23
